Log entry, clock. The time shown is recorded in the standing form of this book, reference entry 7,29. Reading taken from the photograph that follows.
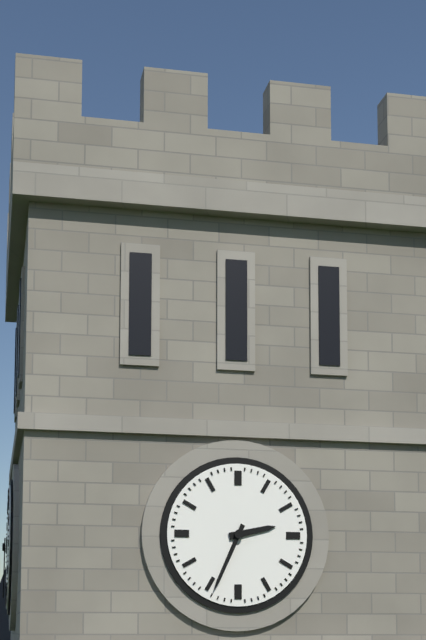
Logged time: 2,34
